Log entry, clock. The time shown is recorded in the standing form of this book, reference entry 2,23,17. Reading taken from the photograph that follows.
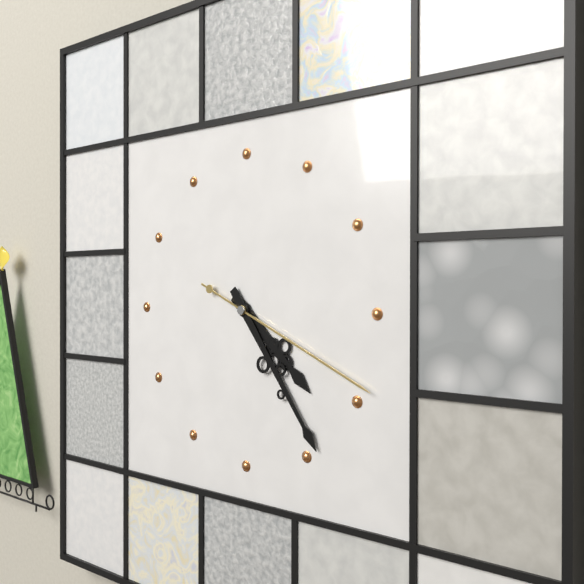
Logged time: 4,24,19
